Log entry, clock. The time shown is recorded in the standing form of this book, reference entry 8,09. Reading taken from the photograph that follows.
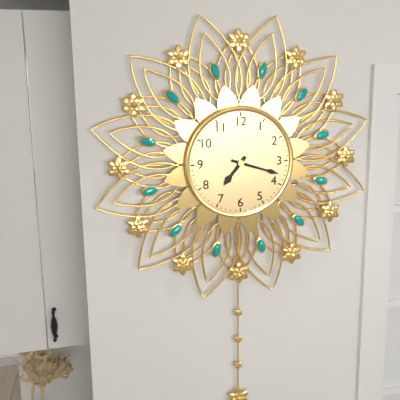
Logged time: 7,18
